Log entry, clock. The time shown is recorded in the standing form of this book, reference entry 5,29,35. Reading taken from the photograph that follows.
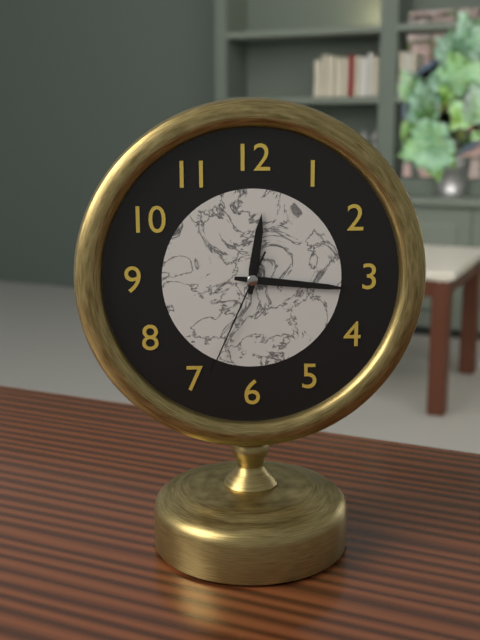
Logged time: 12,16,34
